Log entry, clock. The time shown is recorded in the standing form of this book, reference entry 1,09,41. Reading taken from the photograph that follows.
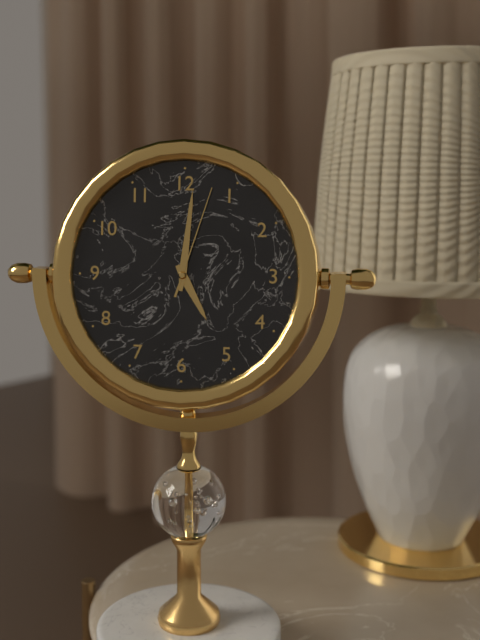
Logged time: 5,01,03
